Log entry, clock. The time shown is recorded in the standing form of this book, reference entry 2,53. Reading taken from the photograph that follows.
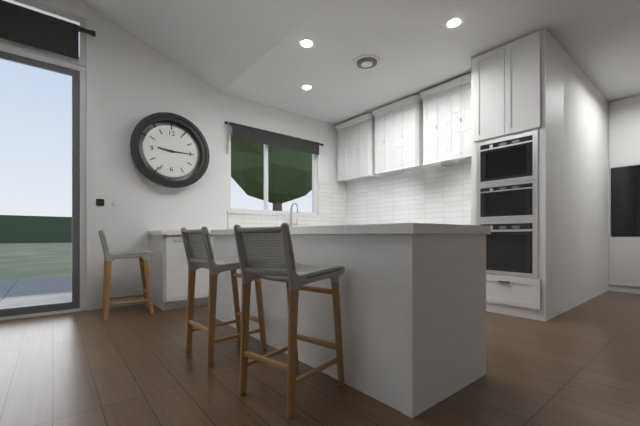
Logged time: 9,15
